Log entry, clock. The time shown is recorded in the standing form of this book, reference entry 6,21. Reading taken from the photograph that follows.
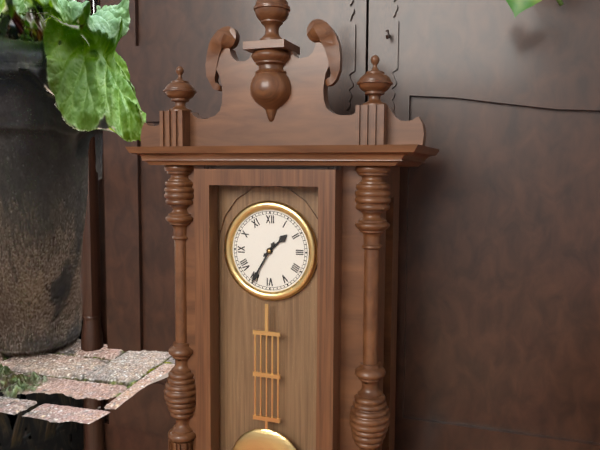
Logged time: 1,35
